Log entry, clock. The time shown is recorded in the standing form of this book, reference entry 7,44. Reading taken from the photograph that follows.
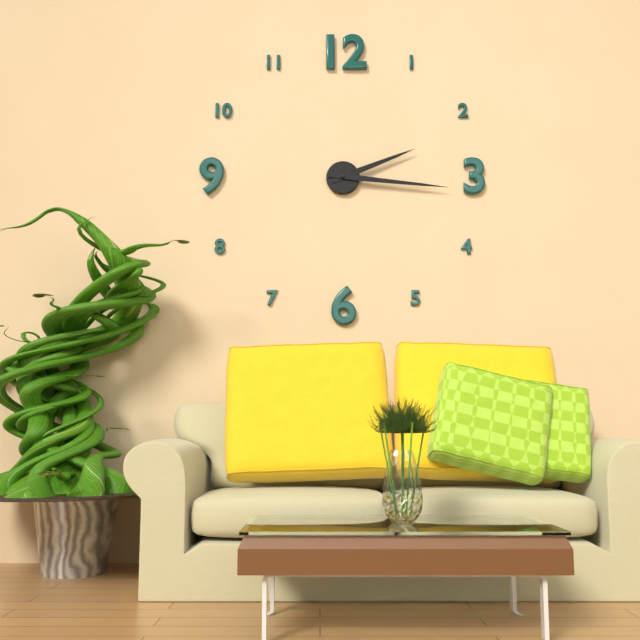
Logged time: 2,16
